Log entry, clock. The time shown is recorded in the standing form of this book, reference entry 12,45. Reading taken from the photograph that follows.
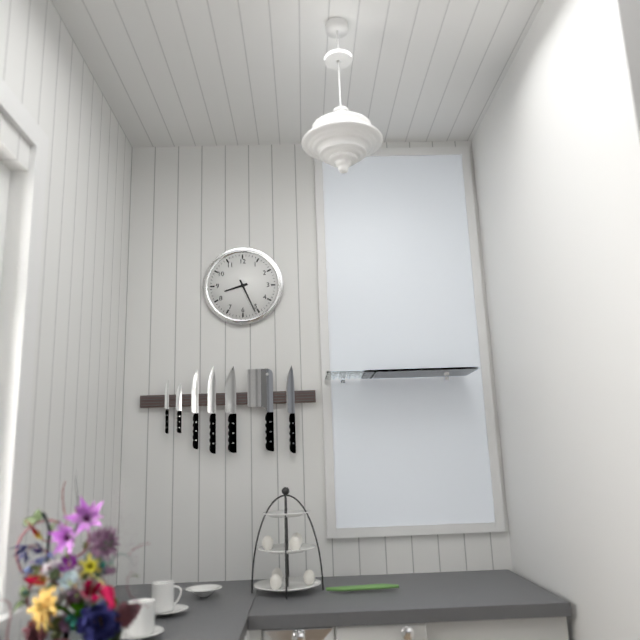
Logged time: 8,26
